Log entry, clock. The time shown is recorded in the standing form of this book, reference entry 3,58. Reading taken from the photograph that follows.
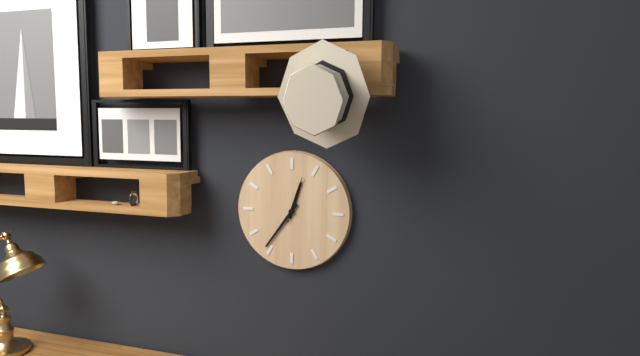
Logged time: 12,36
